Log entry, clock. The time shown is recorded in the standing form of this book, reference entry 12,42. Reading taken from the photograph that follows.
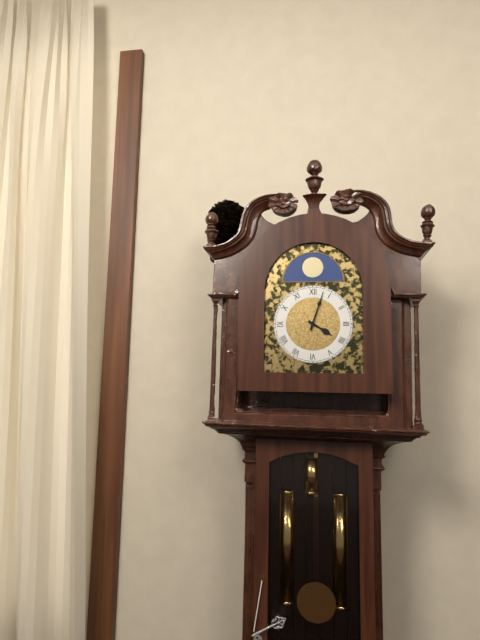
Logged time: 4,03
